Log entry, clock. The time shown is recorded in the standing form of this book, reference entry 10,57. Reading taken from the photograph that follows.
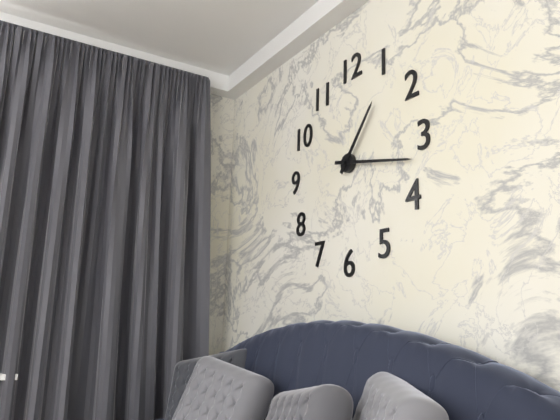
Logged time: 1,17
